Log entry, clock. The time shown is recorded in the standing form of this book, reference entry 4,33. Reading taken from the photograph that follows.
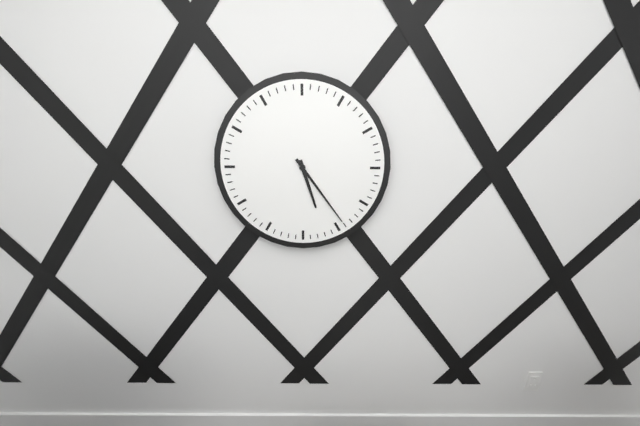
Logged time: 5,24
